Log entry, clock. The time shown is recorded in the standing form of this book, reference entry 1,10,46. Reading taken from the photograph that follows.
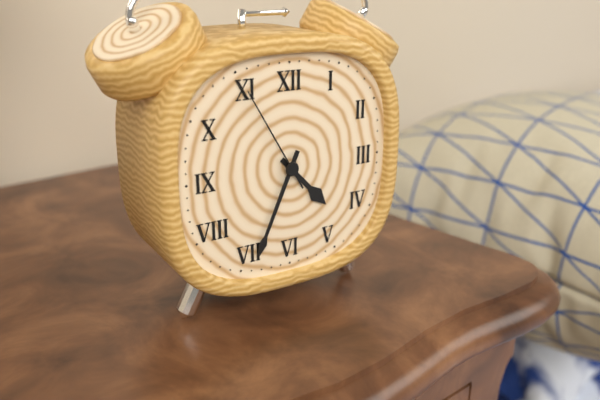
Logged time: 4,34,55
